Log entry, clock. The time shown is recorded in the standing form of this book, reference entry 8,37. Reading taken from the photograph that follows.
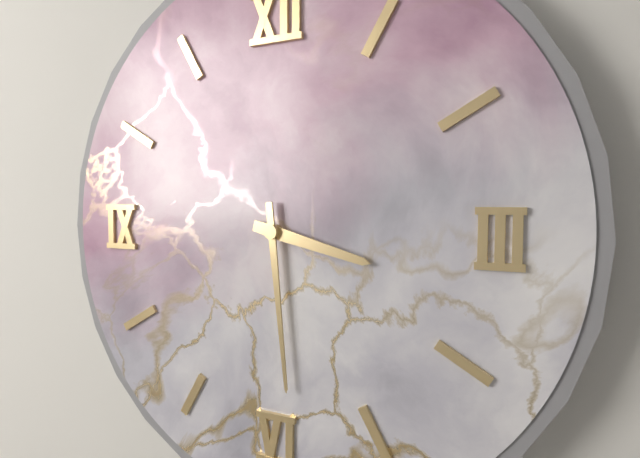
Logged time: 3,29
